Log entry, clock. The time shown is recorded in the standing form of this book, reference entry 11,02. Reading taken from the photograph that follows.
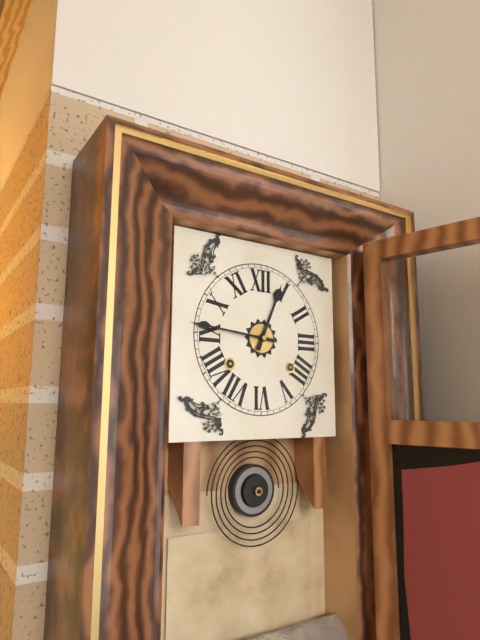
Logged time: 12,46
